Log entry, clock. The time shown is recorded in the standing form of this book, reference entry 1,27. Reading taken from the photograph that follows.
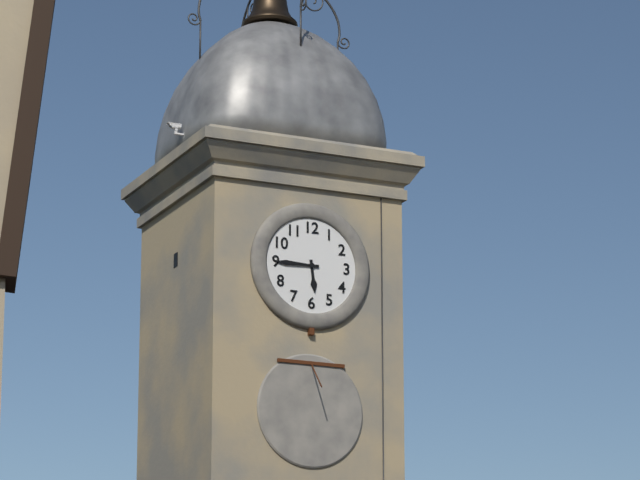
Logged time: 5,45
